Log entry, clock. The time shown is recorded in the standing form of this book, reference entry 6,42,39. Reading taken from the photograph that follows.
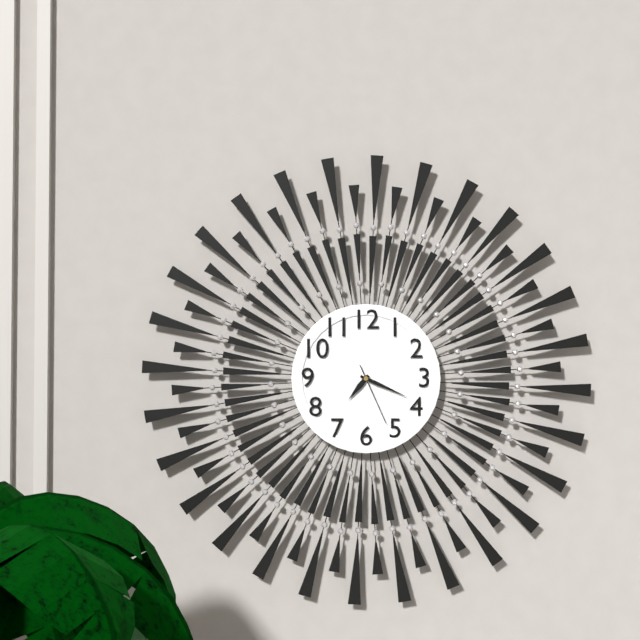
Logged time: 7,19,26
